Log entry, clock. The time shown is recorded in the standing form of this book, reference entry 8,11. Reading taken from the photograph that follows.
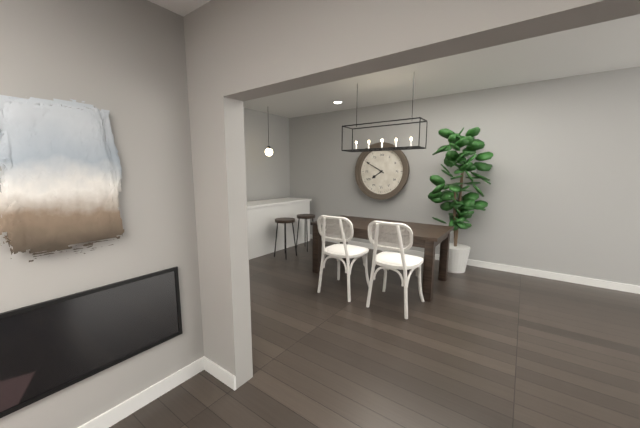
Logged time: 7,50
